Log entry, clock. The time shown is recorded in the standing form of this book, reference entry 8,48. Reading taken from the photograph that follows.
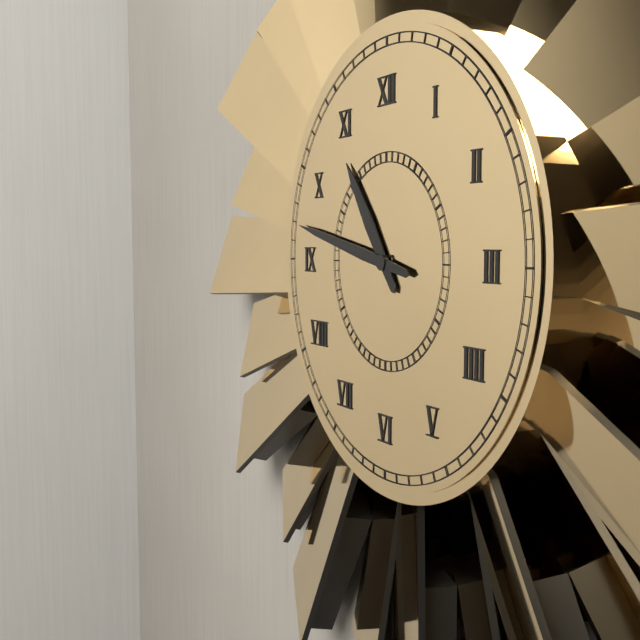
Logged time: 10,47
